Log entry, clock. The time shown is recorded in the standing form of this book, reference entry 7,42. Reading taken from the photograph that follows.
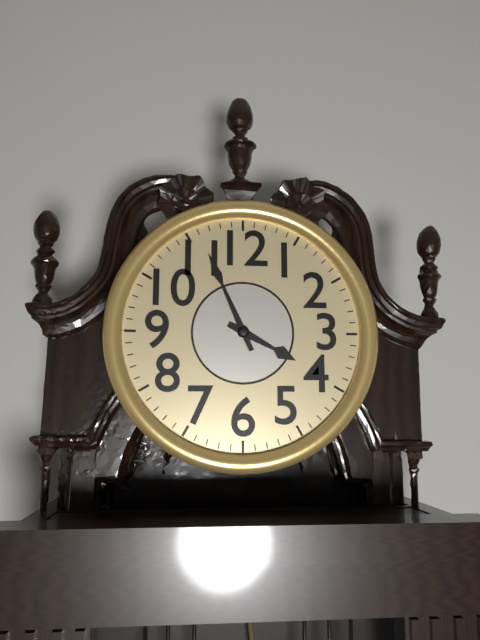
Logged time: 3,56
